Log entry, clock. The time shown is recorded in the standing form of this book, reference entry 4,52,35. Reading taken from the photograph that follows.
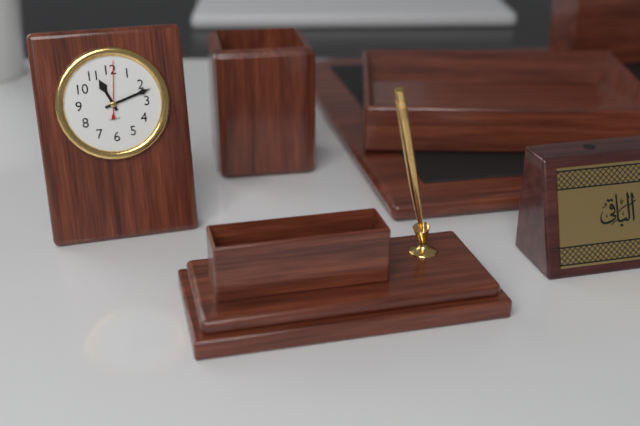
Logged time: 11,12,01
